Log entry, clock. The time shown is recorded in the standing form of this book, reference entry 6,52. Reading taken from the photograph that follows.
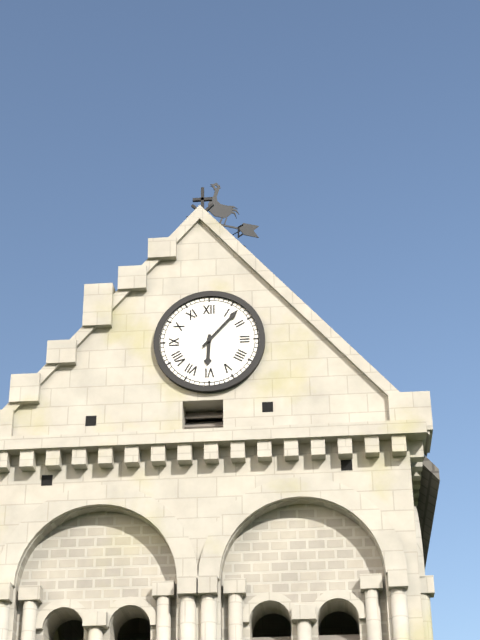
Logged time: 6,07
